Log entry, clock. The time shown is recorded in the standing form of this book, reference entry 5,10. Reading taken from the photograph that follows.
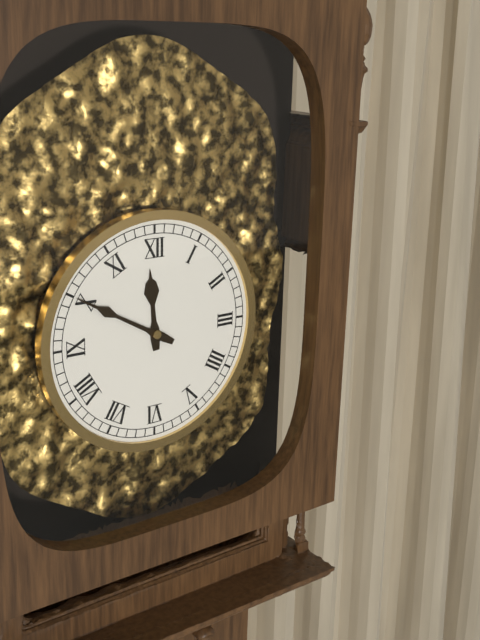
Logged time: 11,50
